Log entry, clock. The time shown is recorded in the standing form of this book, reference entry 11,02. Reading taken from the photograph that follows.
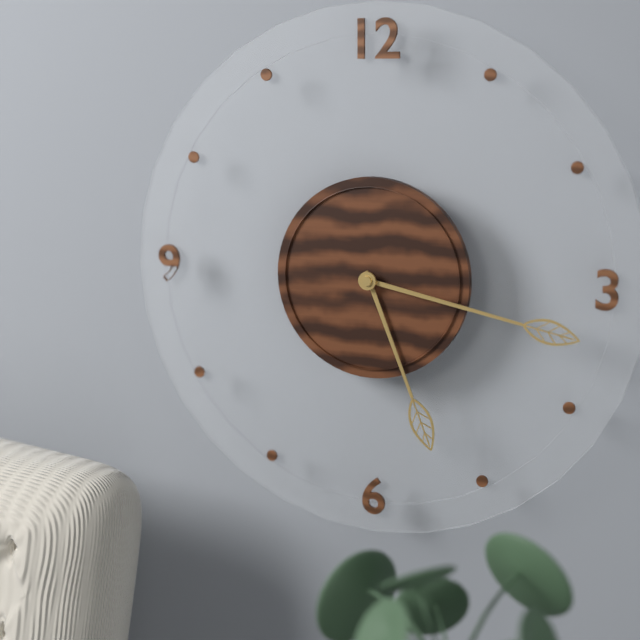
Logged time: 5,17
